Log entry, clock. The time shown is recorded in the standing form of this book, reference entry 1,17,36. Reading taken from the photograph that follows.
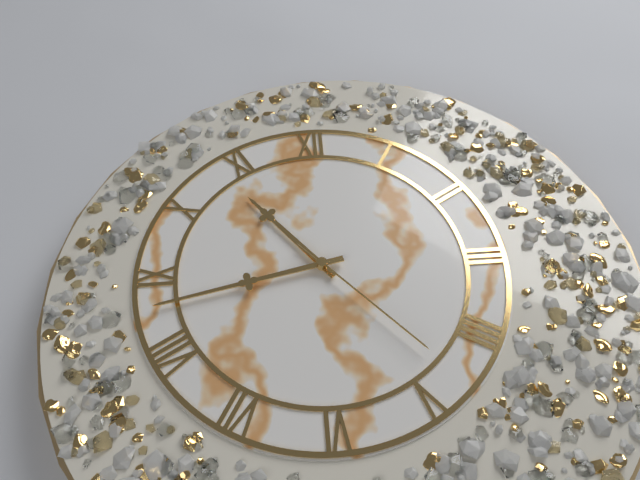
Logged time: 10,43,23
